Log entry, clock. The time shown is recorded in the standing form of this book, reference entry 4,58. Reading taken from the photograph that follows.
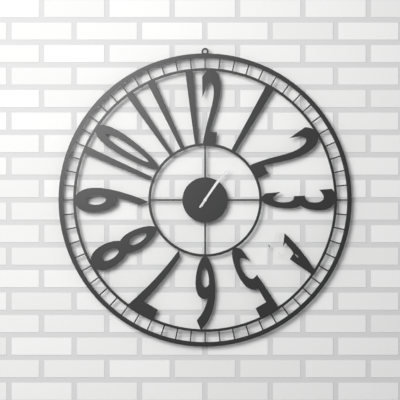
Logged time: 1,06
